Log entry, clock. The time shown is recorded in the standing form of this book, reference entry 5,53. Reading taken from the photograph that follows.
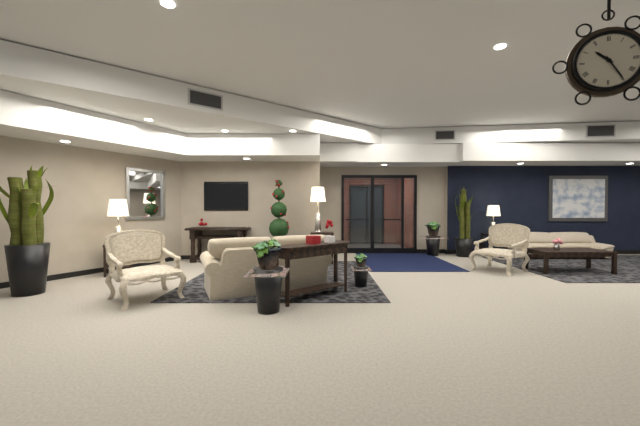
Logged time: 10,25
